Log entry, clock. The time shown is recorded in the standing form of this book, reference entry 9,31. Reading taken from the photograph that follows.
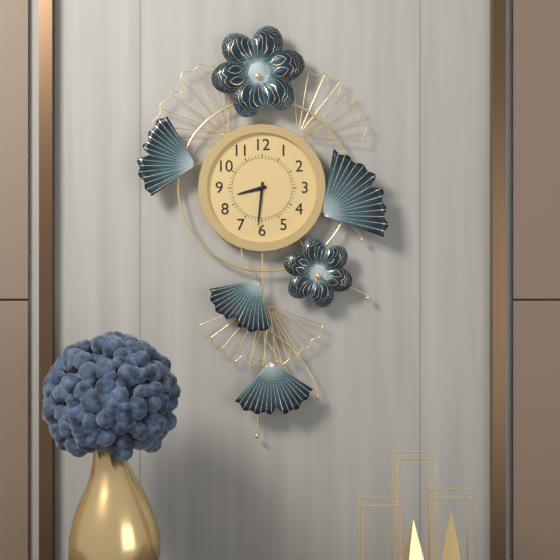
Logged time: 8,31
